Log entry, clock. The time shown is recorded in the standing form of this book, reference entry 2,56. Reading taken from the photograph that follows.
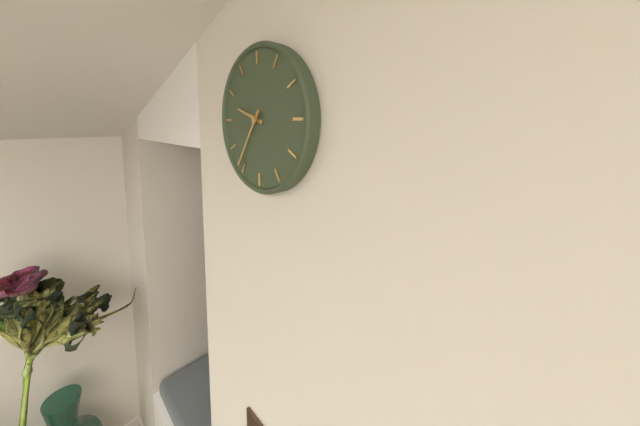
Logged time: 9,36
